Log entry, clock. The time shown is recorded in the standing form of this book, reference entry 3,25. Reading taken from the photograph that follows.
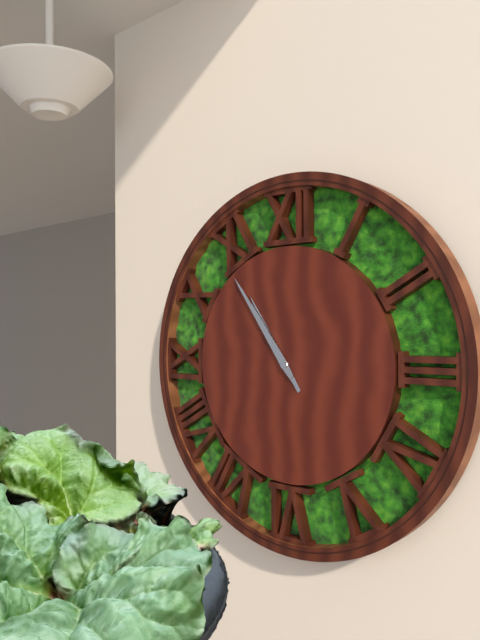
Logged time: 10,54
